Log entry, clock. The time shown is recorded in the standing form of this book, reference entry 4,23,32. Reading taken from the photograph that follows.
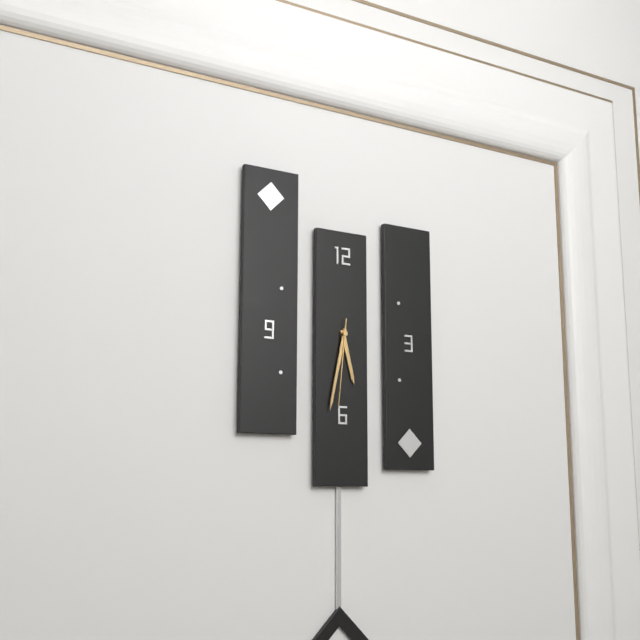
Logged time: 5,32,31
